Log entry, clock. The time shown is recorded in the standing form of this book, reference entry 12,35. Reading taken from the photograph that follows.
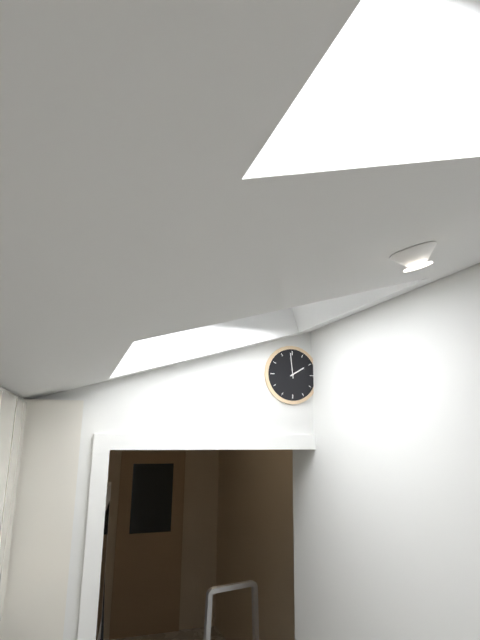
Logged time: 1,59
